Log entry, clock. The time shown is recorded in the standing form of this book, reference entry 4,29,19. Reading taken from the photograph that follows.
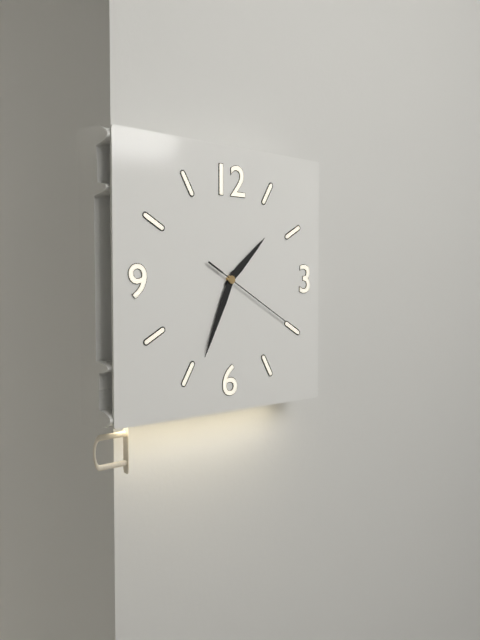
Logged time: 1,34,20
